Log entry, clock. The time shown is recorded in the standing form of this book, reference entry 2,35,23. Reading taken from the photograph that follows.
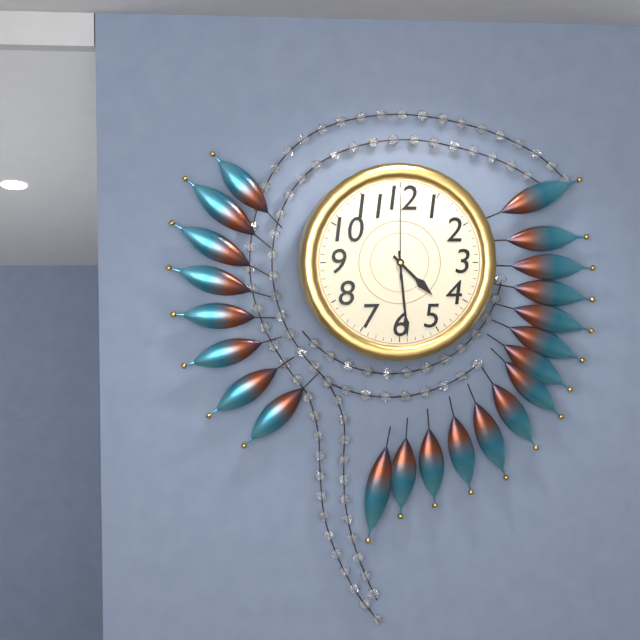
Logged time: 4,29,00
